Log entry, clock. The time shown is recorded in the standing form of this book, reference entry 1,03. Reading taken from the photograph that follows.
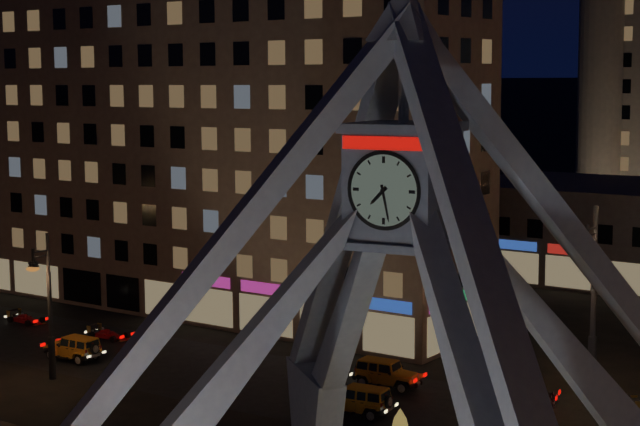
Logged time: 7,28
